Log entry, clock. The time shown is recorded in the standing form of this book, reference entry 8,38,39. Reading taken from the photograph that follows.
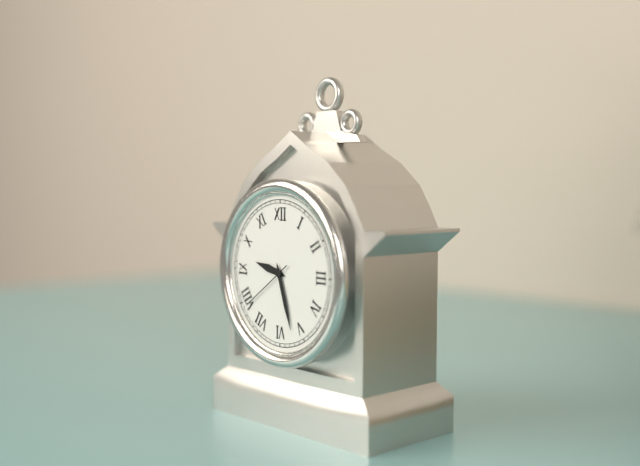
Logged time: 9,27,39
